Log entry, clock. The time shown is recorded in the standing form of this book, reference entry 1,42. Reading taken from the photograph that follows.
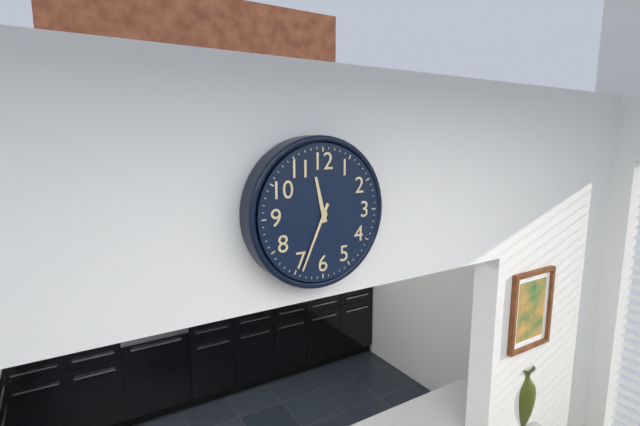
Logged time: 11,34
